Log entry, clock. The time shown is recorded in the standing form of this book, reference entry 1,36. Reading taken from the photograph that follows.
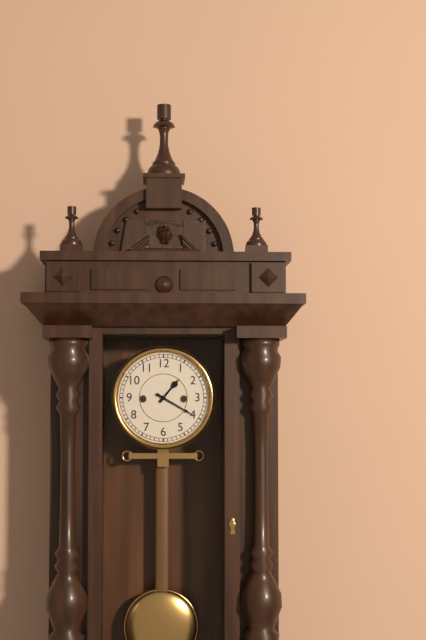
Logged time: 1,20
